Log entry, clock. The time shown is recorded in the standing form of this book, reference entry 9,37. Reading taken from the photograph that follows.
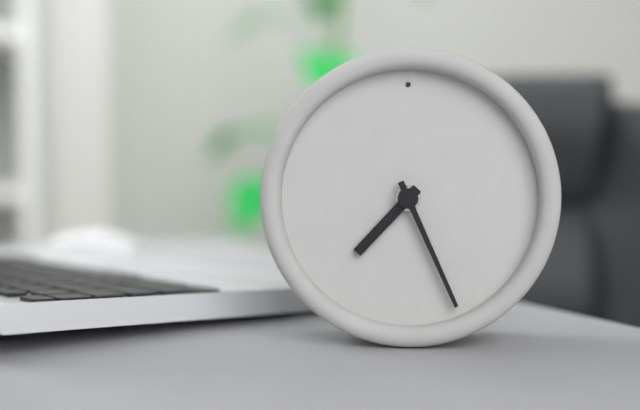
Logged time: 7,26
